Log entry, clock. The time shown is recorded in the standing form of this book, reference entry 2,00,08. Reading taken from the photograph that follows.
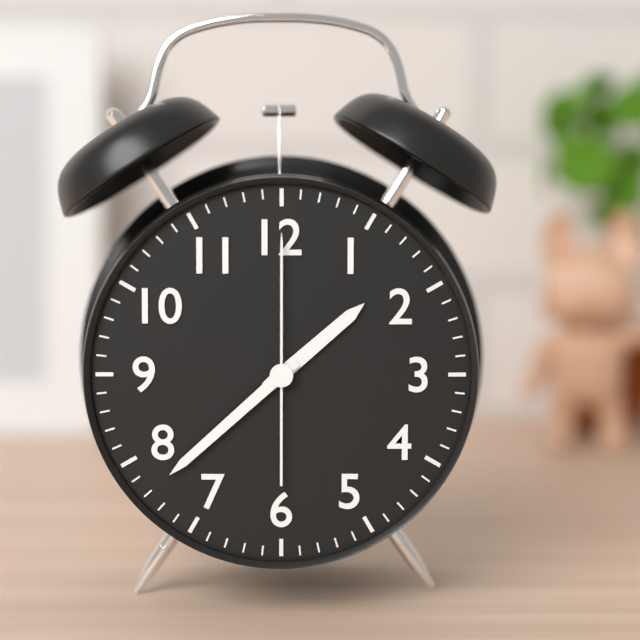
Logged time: 1,38,00
